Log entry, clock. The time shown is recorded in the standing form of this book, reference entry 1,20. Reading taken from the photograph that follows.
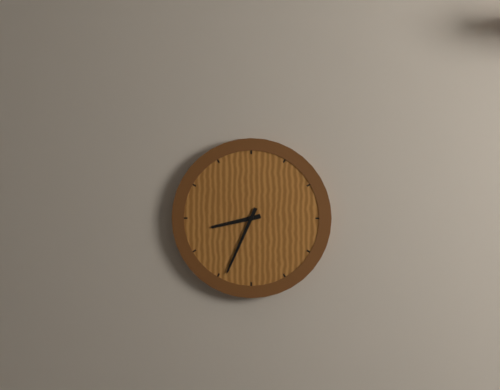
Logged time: 8,34
